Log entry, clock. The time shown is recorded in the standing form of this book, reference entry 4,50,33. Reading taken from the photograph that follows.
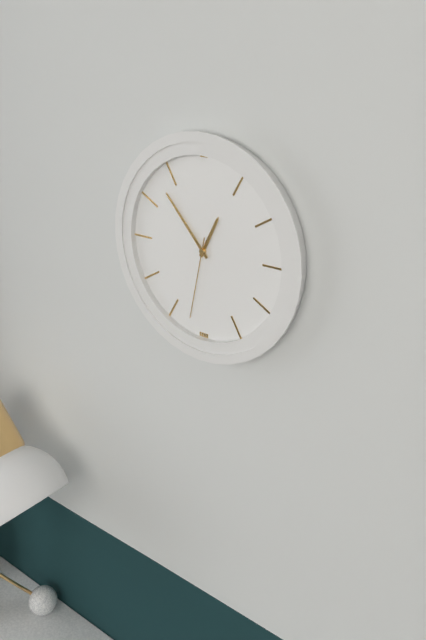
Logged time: 12,53,32
